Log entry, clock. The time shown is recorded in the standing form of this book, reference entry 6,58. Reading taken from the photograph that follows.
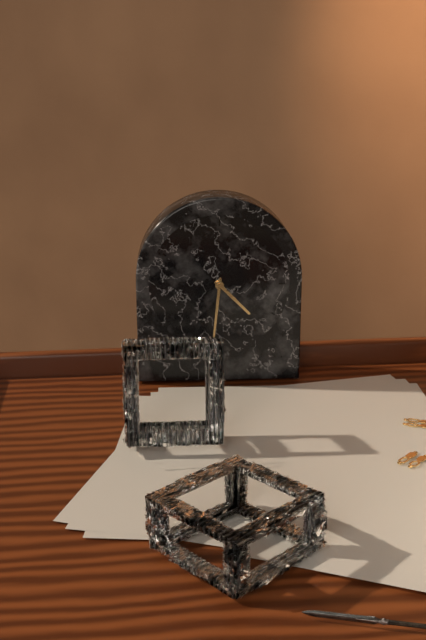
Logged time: 4,31
